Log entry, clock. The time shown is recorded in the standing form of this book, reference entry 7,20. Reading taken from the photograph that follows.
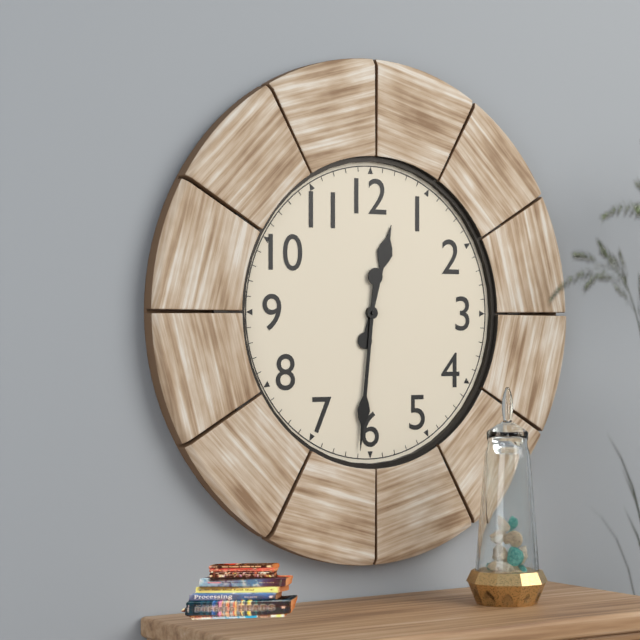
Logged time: 12,31
